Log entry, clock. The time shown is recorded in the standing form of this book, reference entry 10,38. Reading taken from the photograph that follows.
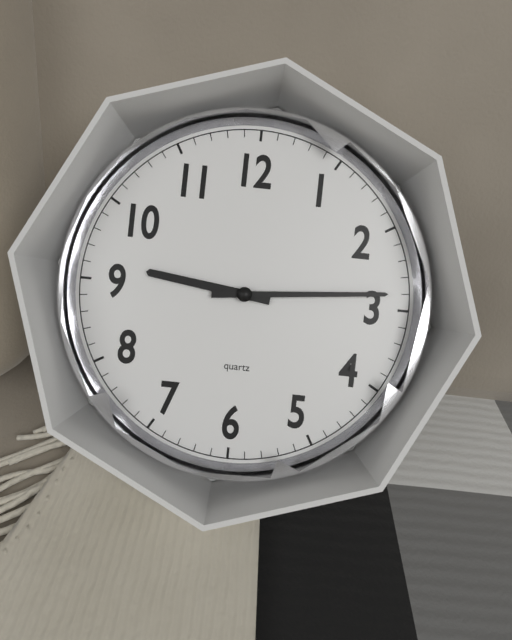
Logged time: 9,14
